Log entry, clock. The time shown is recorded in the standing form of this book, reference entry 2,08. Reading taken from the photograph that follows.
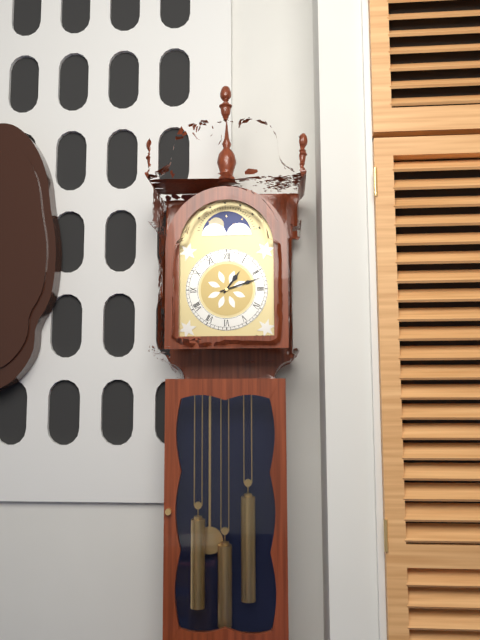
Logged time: 1,12
